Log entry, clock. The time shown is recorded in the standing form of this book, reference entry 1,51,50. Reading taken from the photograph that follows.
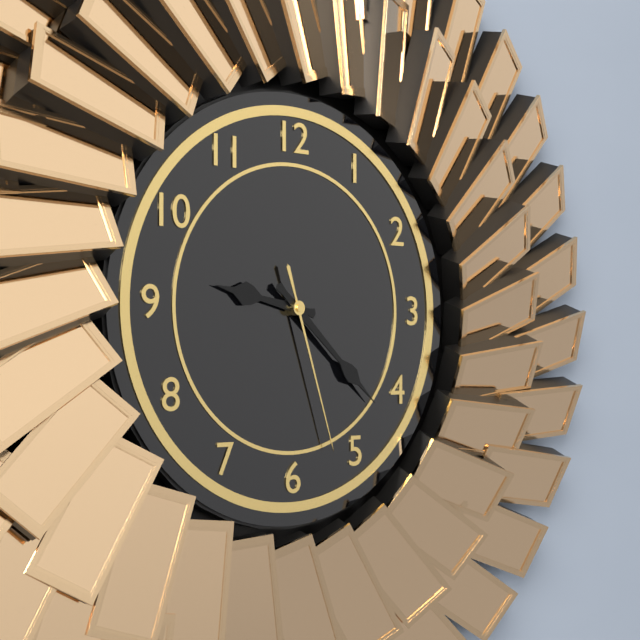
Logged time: 9,22,27
